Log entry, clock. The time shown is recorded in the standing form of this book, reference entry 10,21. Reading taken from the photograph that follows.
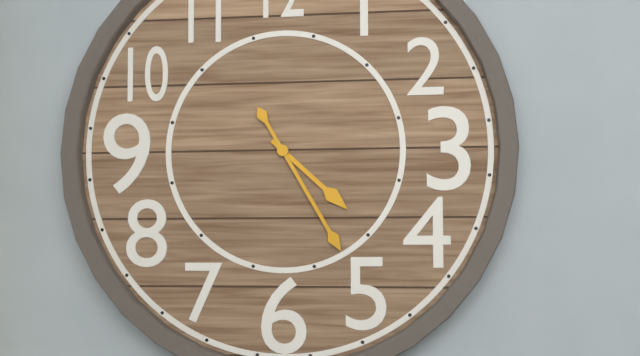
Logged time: 4,25
